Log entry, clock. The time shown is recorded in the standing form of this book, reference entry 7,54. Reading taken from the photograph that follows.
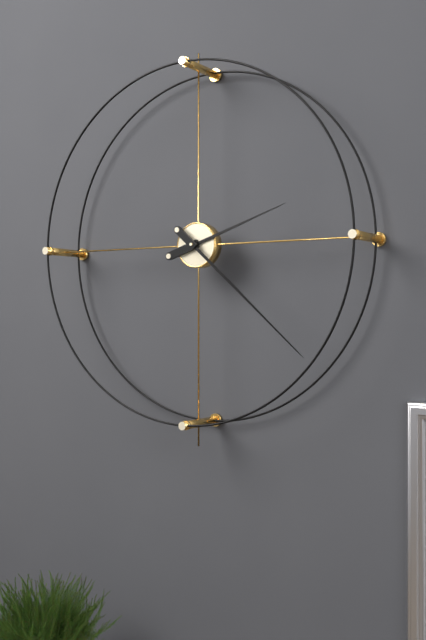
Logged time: 2,22
